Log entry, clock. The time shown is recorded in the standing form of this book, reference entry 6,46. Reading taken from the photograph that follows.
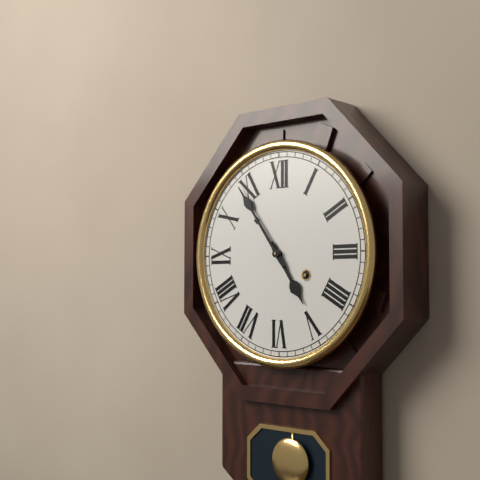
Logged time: 4,54
